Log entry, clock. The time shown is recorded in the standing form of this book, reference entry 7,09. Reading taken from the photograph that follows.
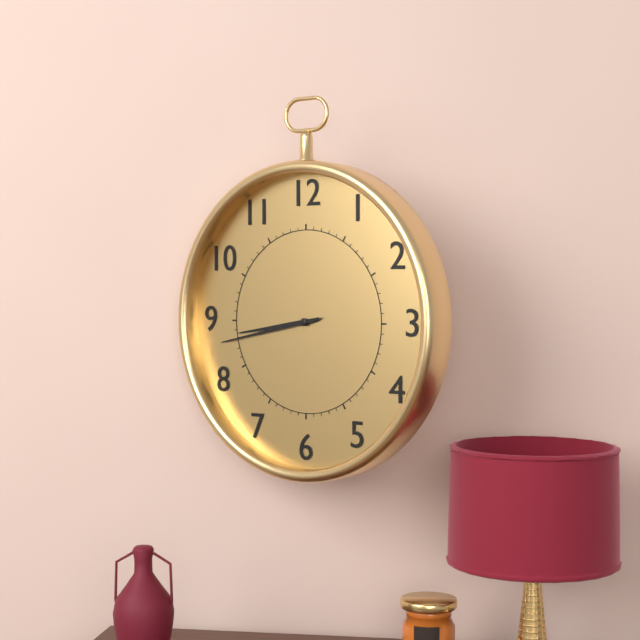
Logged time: 8,43
